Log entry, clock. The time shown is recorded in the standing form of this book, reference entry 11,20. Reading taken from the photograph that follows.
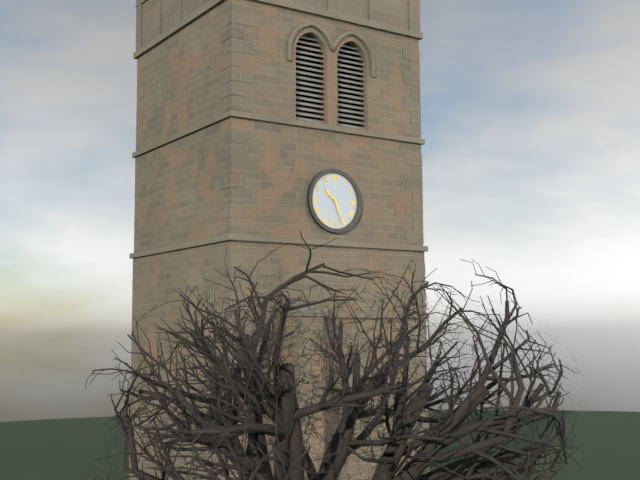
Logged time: 10,26
